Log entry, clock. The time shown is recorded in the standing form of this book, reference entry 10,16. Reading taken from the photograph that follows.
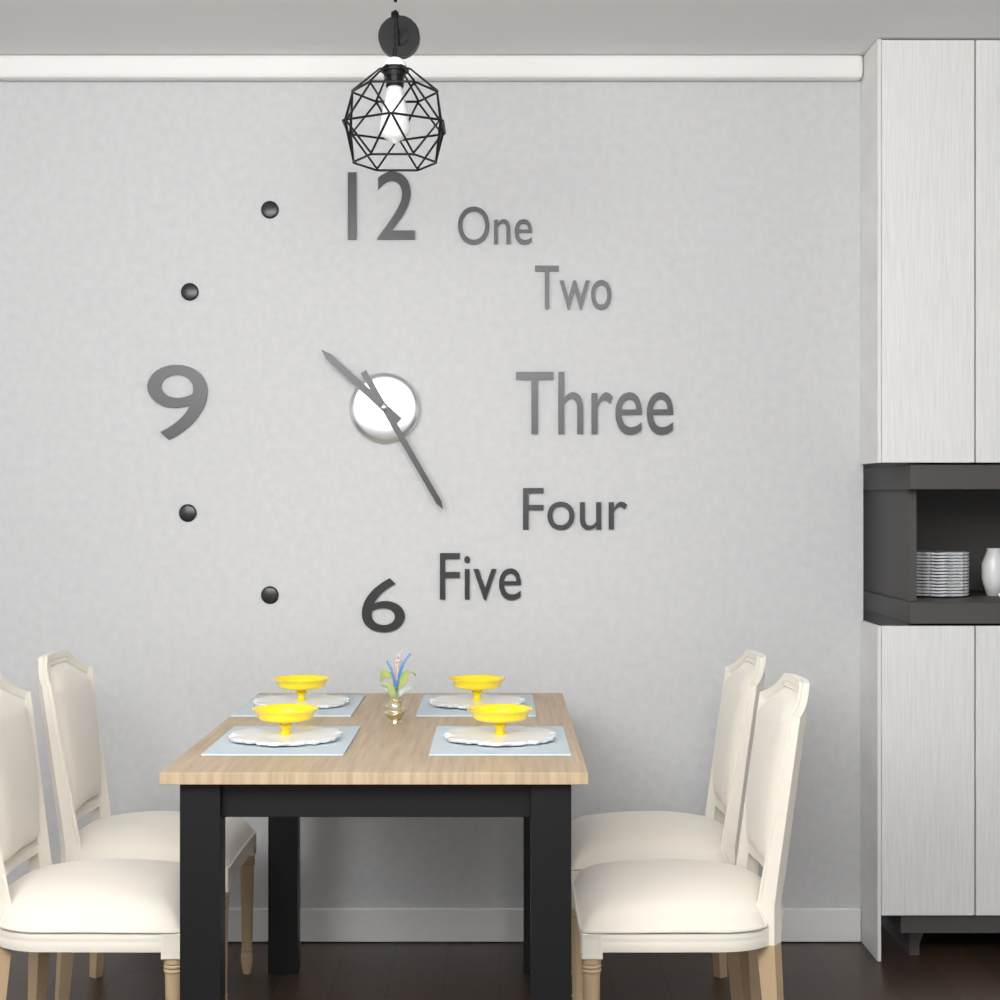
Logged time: 10,25
